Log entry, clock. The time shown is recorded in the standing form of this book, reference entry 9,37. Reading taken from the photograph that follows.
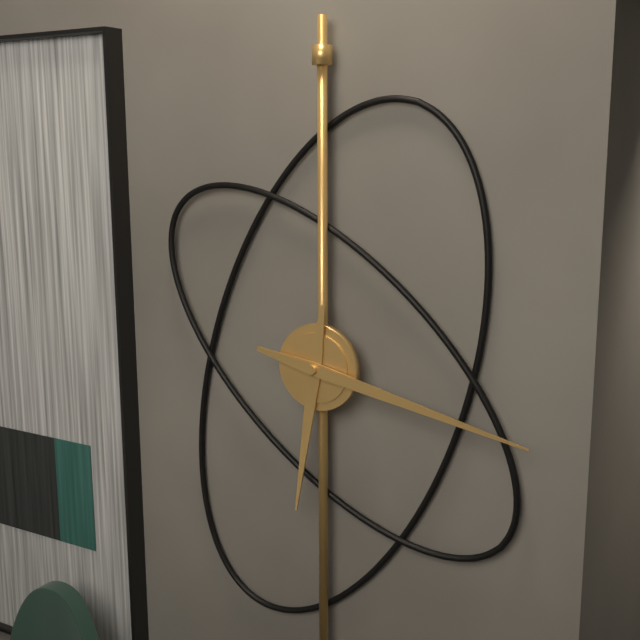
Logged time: 6,17
